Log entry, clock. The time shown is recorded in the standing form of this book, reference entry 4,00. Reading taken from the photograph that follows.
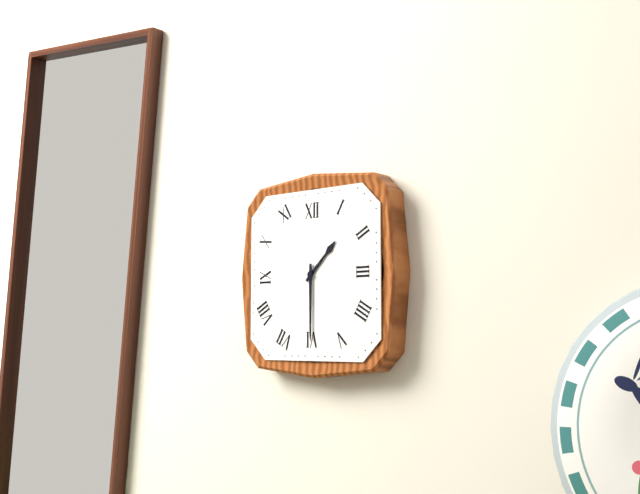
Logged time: 1,30
